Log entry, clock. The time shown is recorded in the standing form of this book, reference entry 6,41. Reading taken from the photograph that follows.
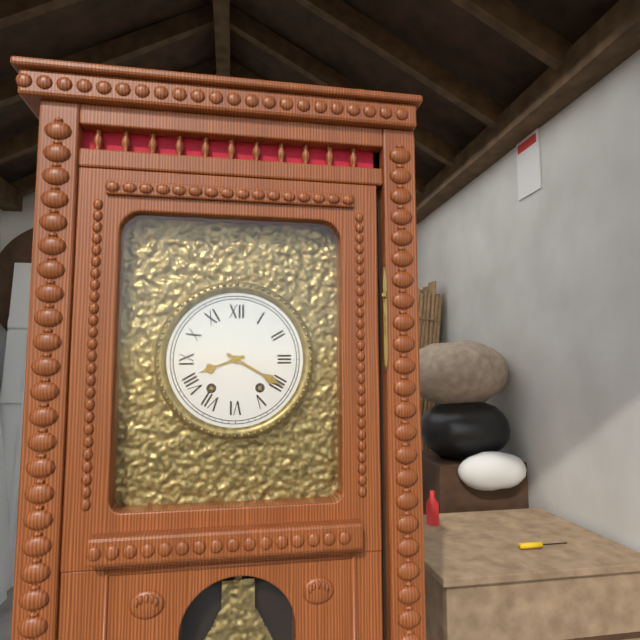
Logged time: 8,20
